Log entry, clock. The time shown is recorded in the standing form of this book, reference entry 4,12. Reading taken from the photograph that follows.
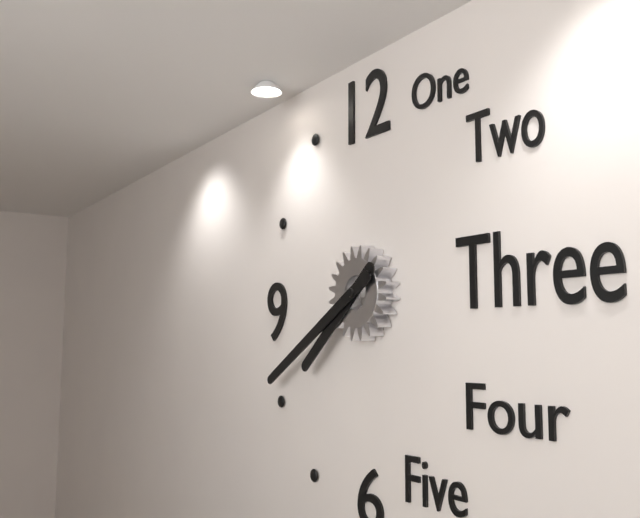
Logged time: 7,40
